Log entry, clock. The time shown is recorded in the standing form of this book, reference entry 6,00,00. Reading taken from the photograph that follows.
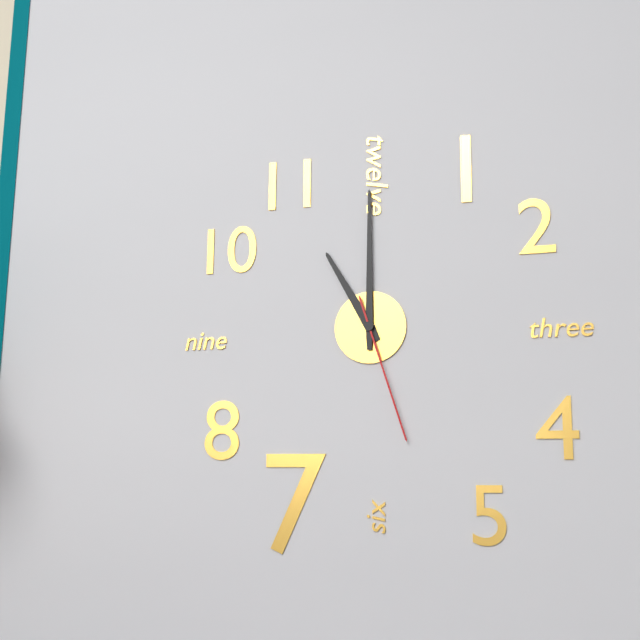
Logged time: 11,00,27
